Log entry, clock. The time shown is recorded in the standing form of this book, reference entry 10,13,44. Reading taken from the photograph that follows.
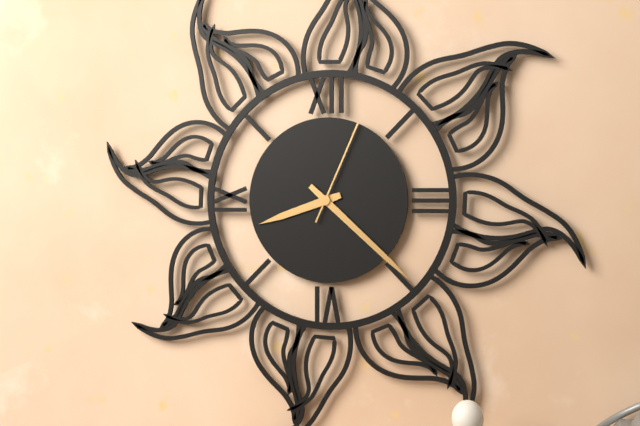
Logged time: 8,22,04
